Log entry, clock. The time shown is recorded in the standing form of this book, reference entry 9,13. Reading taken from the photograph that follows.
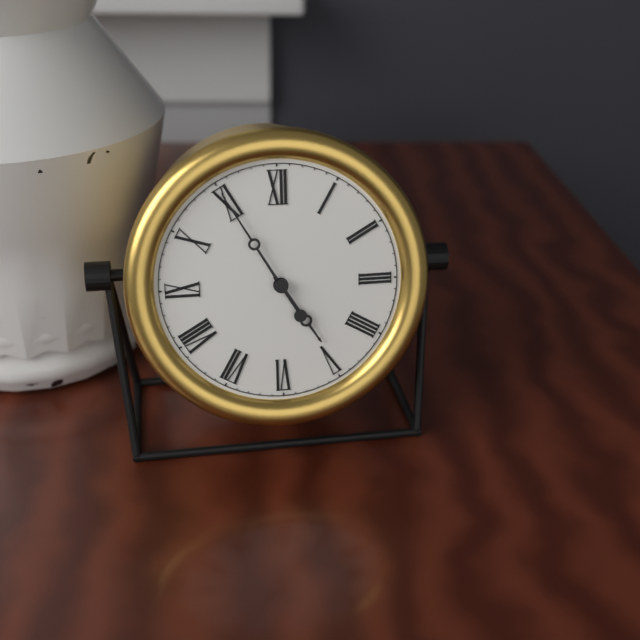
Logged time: 4,55
